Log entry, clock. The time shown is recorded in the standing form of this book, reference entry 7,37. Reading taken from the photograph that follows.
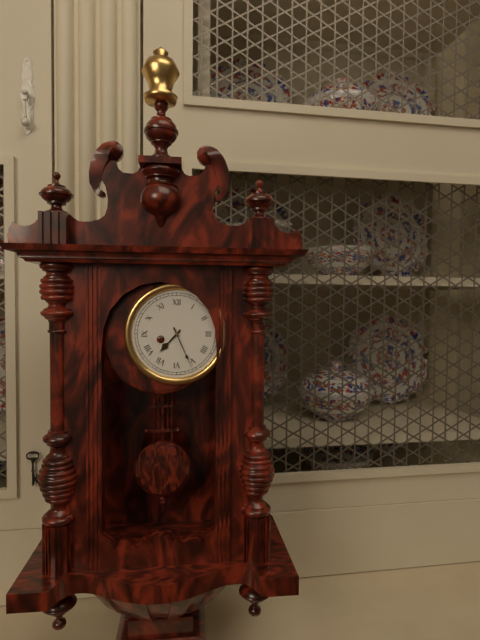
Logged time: 7,26
